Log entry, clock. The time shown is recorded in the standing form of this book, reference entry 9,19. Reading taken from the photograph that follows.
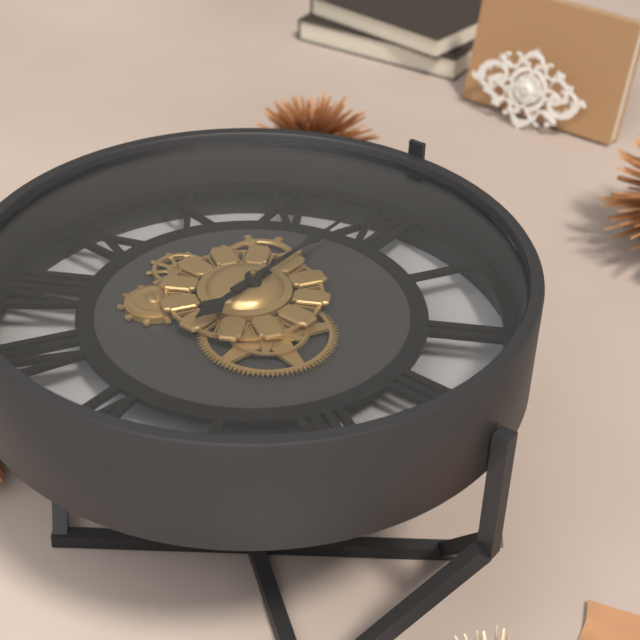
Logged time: 6,00
